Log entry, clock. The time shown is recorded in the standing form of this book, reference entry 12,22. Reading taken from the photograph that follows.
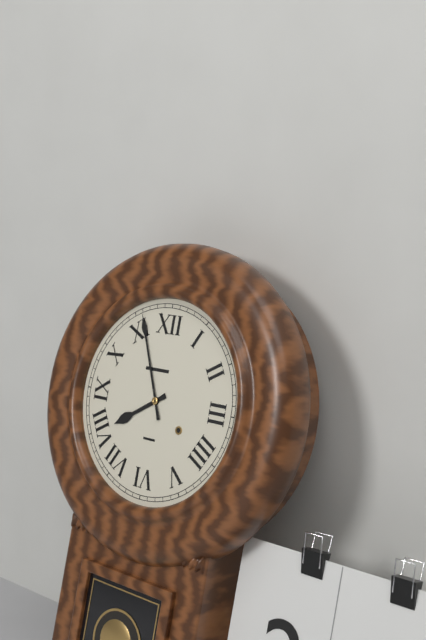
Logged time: 7,56
